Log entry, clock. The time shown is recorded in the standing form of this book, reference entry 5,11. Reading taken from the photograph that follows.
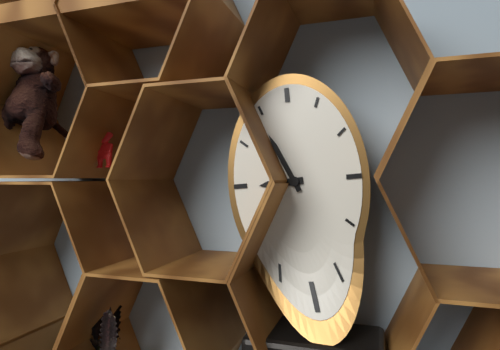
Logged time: 8,56
